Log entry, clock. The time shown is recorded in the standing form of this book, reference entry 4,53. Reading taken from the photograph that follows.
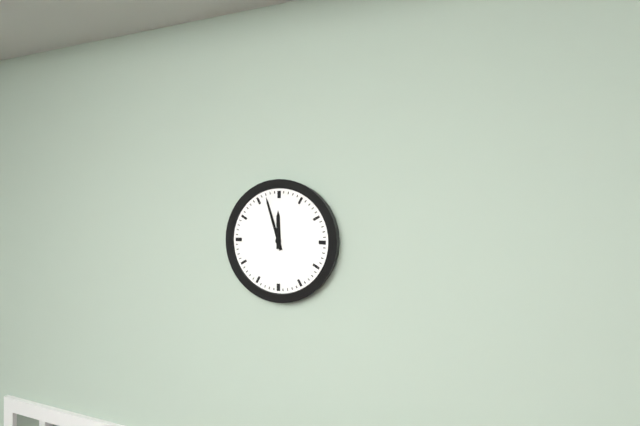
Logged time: 11,57
